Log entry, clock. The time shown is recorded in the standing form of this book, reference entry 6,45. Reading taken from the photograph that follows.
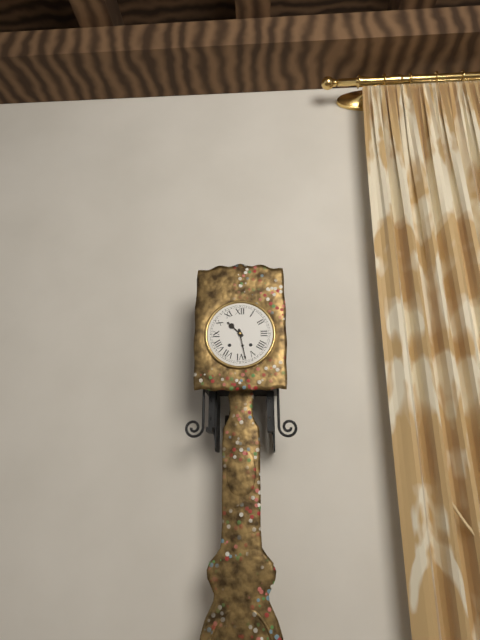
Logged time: 10,28
